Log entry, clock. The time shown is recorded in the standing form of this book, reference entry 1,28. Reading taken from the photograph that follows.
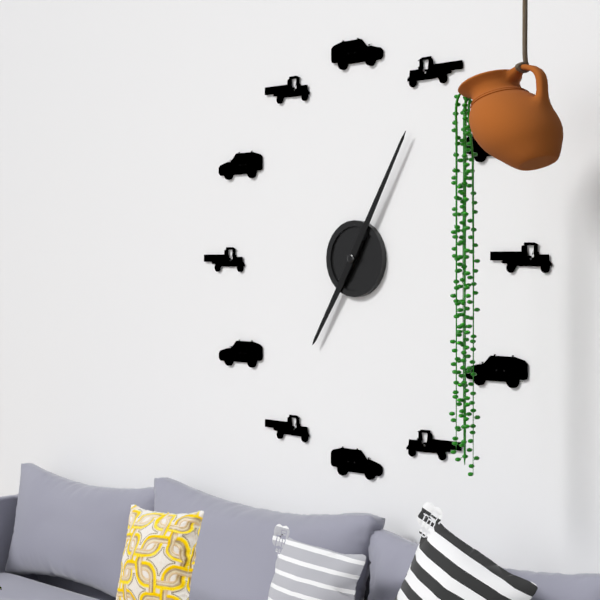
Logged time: 7,05
